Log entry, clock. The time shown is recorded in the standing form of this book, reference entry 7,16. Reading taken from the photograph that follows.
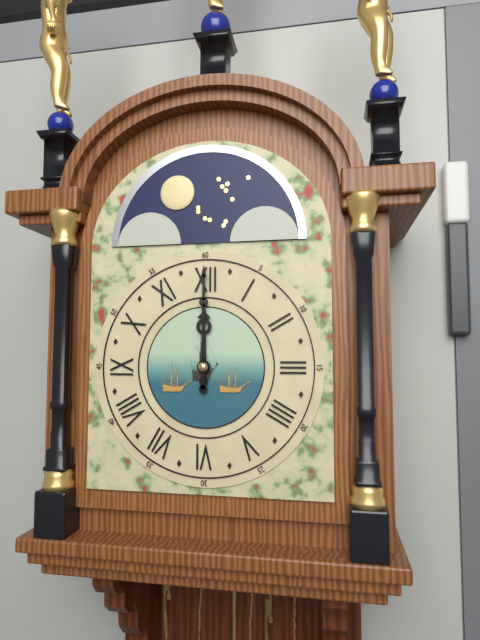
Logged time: 12,00
